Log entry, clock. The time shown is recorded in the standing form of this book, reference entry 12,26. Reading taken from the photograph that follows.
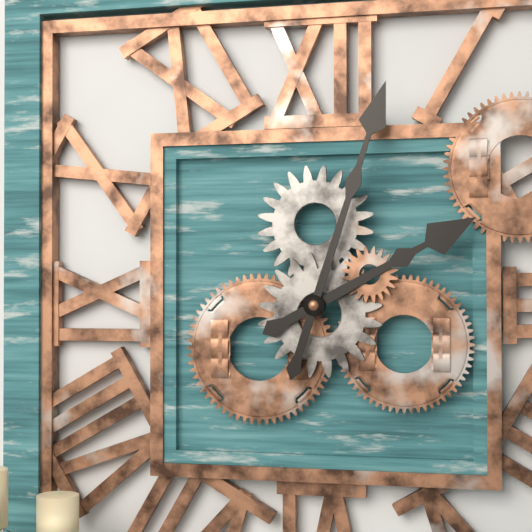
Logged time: 2,03
